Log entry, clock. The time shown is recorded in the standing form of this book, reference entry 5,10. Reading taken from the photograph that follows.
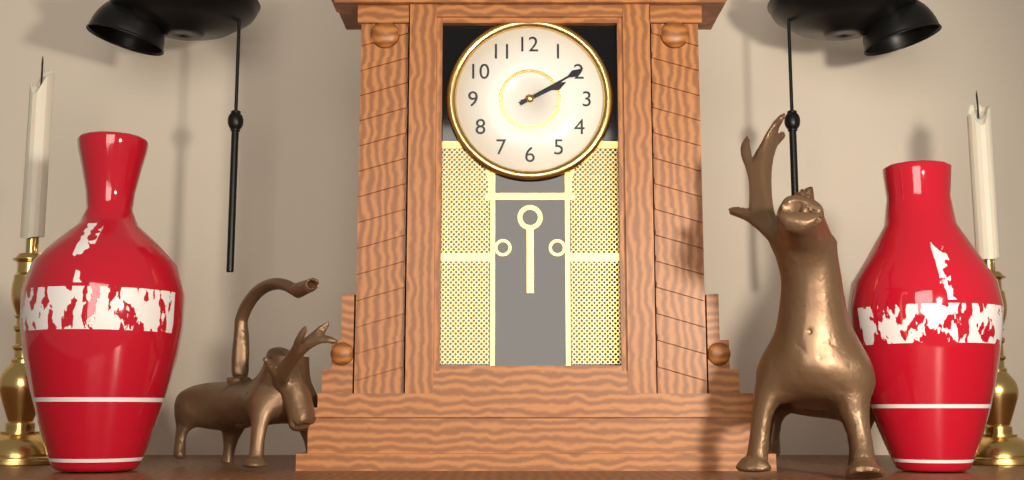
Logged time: 2,10
